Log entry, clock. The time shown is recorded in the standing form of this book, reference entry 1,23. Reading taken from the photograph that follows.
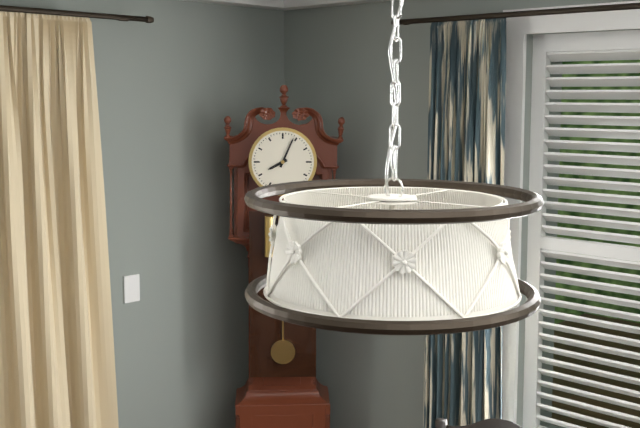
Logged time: 8,04
